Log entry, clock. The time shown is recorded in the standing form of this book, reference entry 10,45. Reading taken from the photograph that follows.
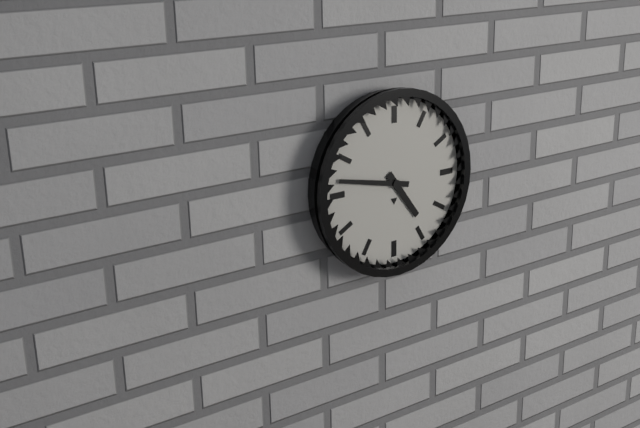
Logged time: 4,47
